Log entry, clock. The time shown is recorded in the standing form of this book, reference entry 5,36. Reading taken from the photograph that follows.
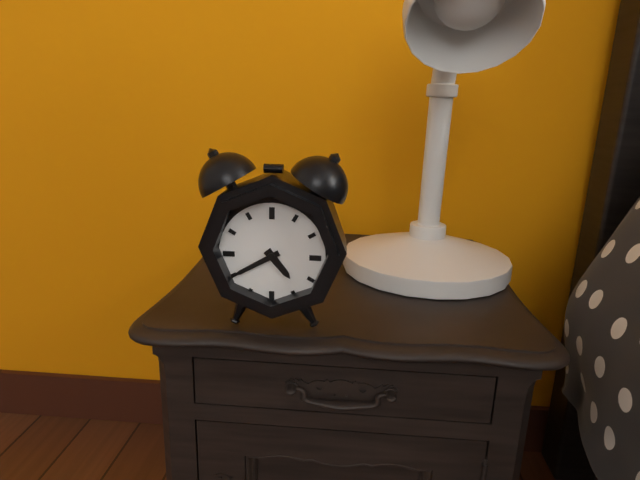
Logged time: 4,40
